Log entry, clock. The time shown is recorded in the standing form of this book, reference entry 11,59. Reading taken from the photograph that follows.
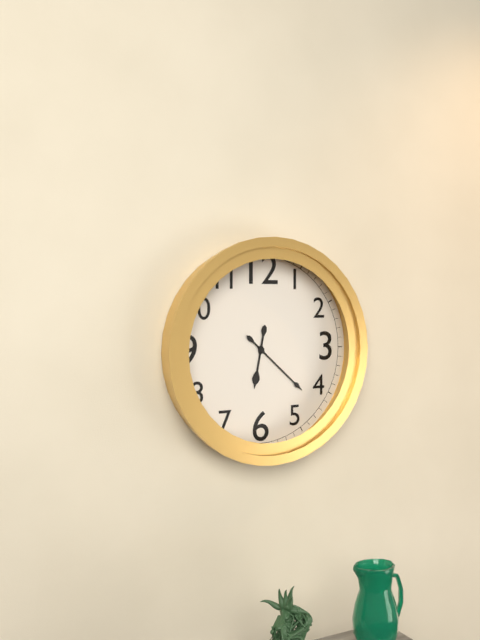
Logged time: 6,22
